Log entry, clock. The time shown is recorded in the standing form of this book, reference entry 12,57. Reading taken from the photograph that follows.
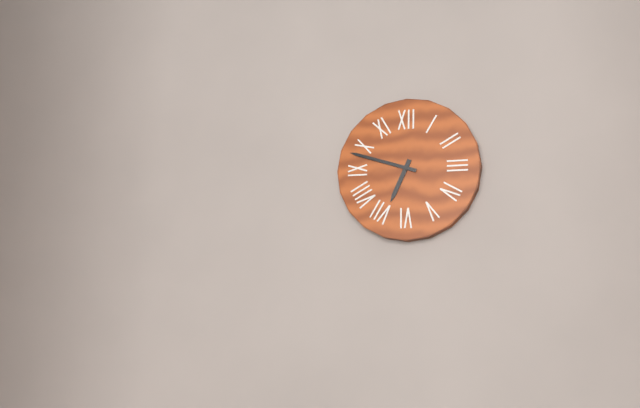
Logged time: 6,48
